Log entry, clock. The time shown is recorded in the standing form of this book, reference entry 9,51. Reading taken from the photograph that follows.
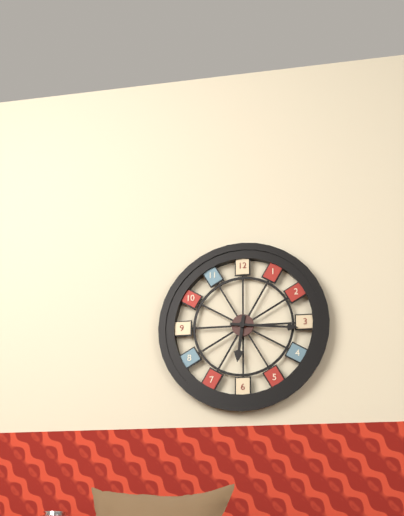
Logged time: 6,16
